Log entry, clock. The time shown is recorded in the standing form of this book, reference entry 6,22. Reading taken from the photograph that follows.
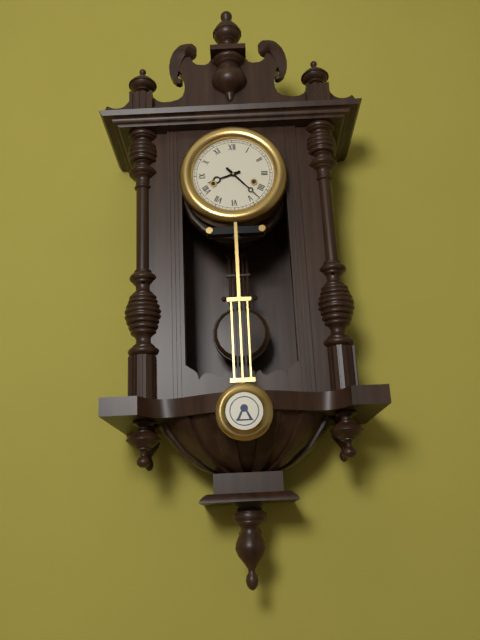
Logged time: 8,23
